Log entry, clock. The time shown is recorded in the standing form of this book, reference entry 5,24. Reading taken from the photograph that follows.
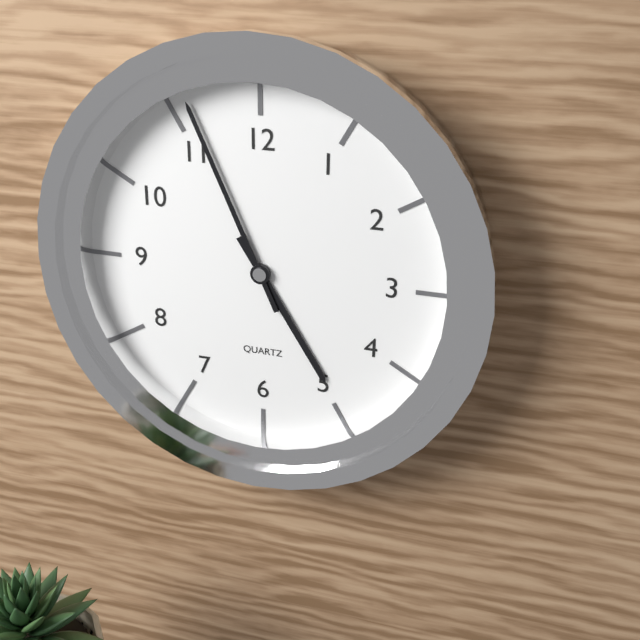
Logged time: 4,56
